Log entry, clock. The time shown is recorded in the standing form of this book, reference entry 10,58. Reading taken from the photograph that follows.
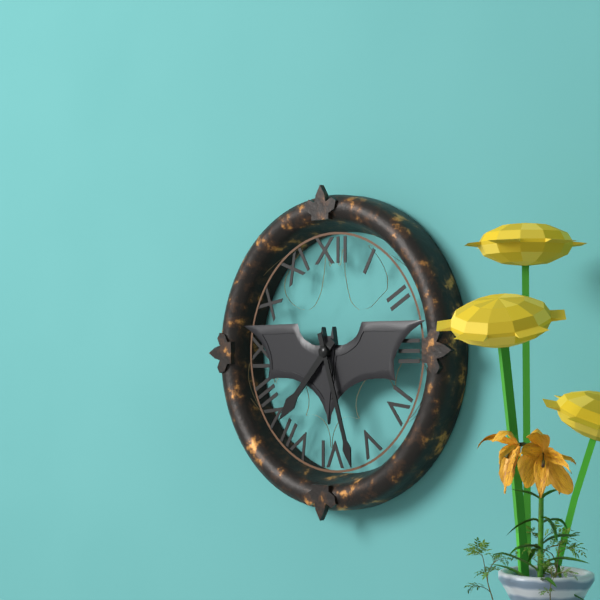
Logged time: 7,27
